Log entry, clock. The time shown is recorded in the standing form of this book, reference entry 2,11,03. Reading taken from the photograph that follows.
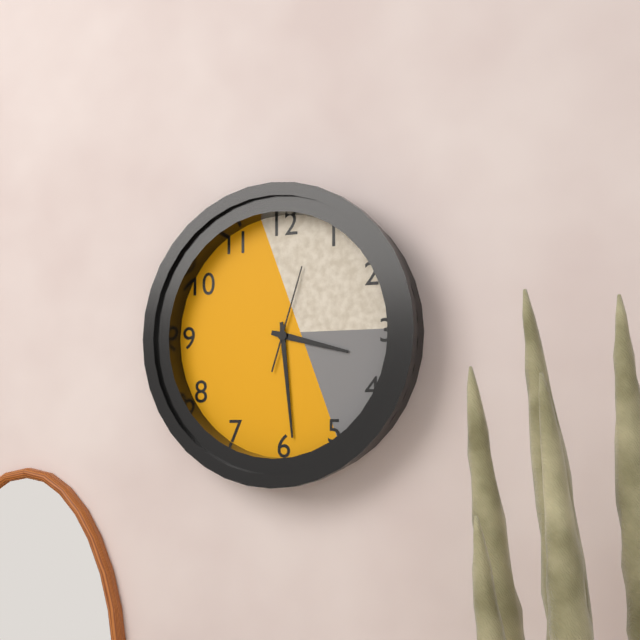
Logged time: 3,29,03
